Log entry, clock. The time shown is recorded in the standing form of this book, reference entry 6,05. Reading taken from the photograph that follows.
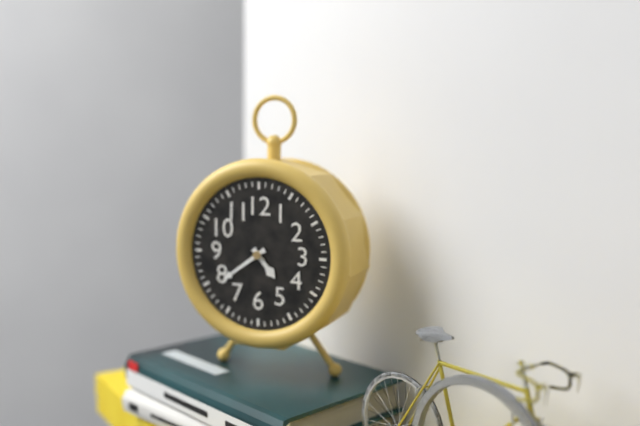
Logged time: 4,39
